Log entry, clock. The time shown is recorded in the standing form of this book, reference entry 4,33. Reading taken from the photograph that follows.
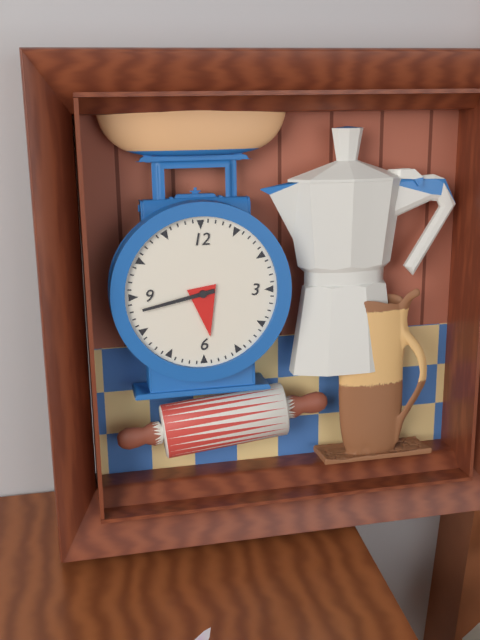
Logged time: 5,43
